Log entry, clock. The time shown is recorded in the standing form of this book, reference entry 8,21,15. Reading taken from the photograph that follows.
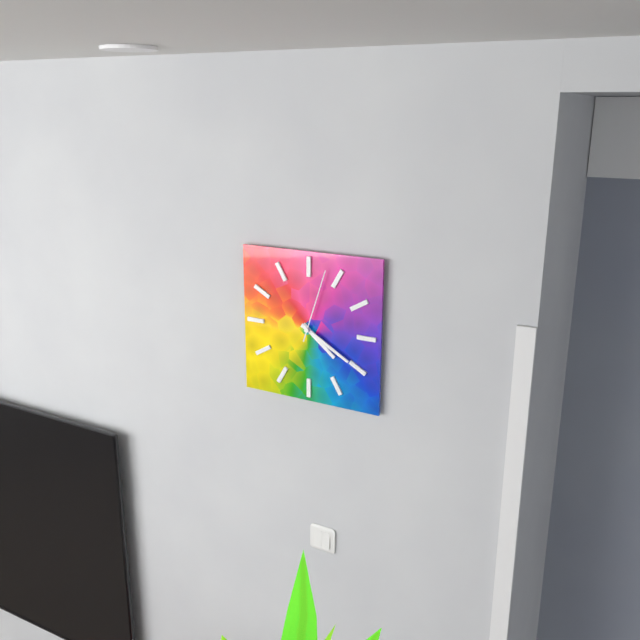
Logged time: 4,20,03
